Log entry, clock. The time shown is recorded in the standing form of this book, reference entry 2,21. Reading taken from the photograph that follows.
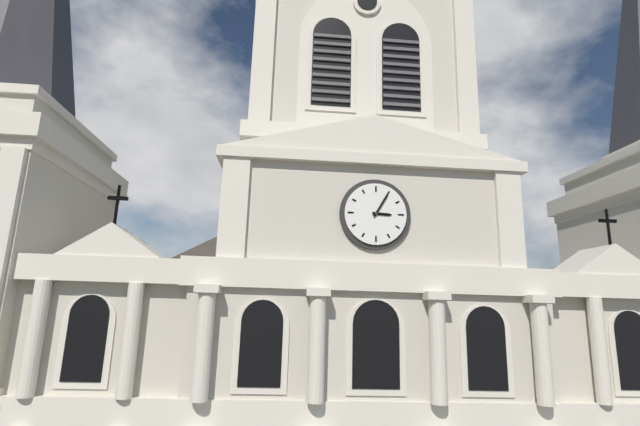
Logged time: 3,05
